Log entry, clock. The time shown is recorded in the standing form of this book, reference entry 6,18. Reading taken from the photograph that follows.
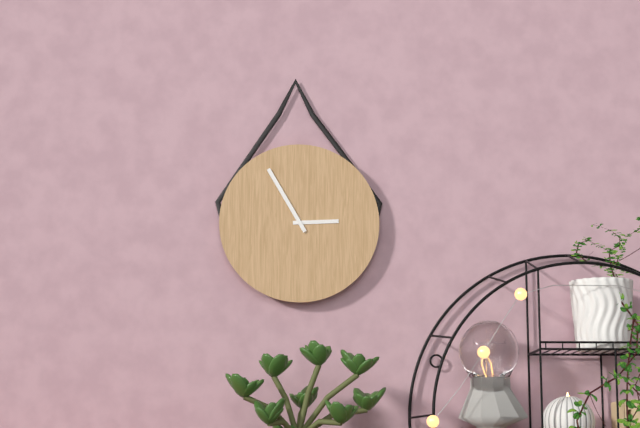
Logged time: 2,55
